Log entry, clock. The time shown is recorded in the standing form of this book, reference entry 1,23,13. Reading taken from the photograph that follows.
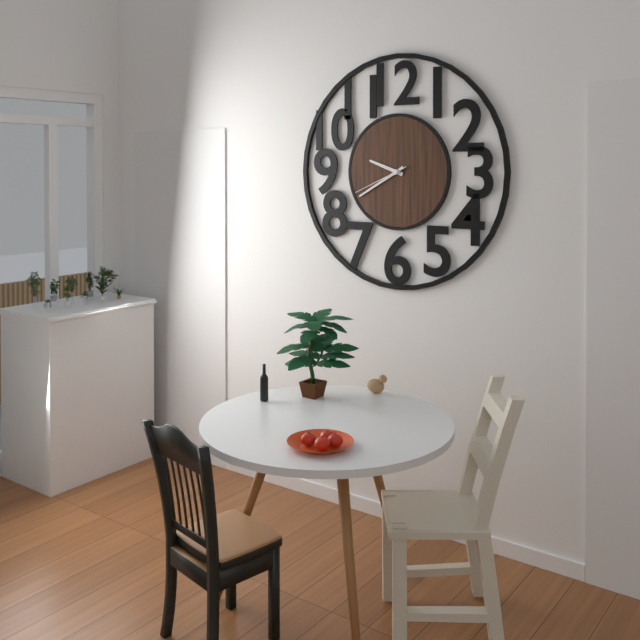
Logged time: 9,40,41
